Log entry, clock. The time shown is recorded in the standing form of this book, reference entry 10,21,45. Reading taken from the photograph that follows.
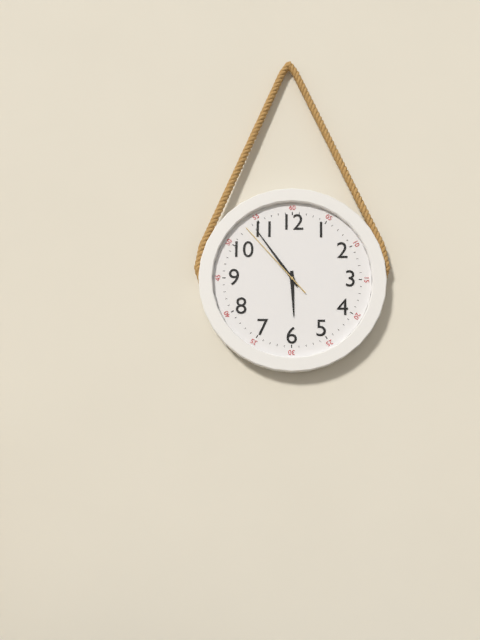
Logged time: 5,54,53
